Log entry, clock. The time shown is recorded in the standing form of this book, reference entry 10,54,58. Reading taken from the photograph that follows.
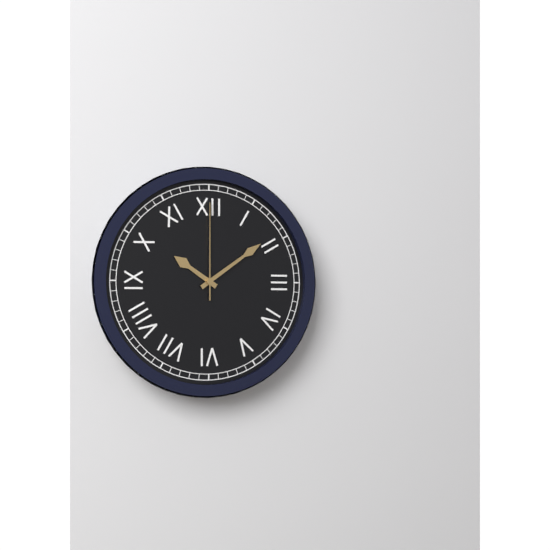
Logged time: 10,09,00
